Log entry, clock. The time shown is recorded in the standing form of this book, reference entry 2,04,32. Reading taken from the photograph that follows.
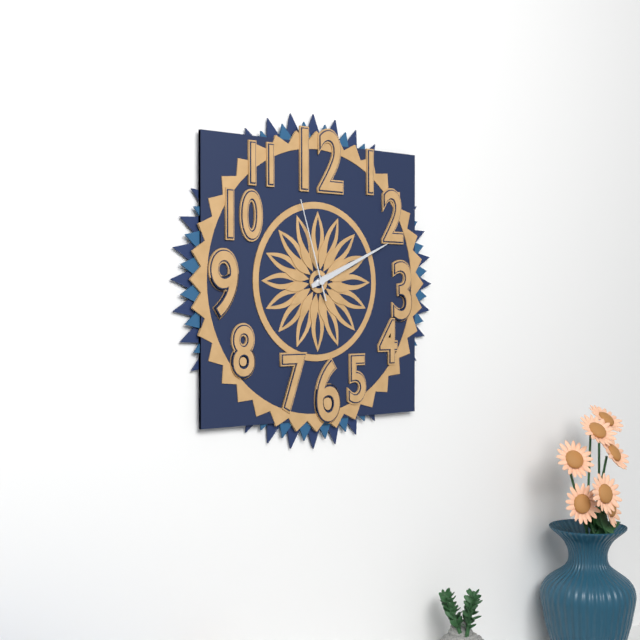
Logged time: 2,11,57
